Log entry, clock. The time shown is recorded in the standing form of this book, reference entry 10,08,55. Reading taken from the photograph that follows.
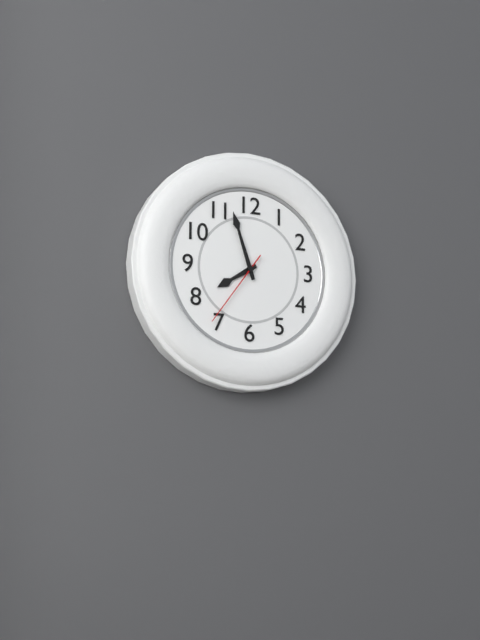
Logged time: 7,57,36
